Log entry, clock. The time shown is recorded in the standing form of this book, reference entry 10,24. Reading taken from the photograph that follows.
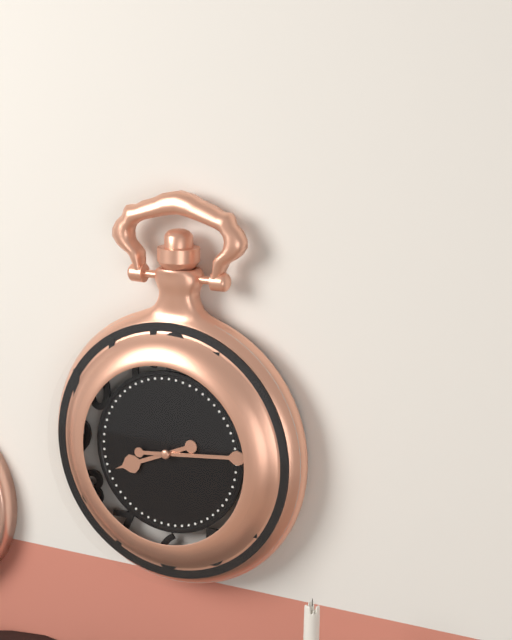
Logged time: 8,14
